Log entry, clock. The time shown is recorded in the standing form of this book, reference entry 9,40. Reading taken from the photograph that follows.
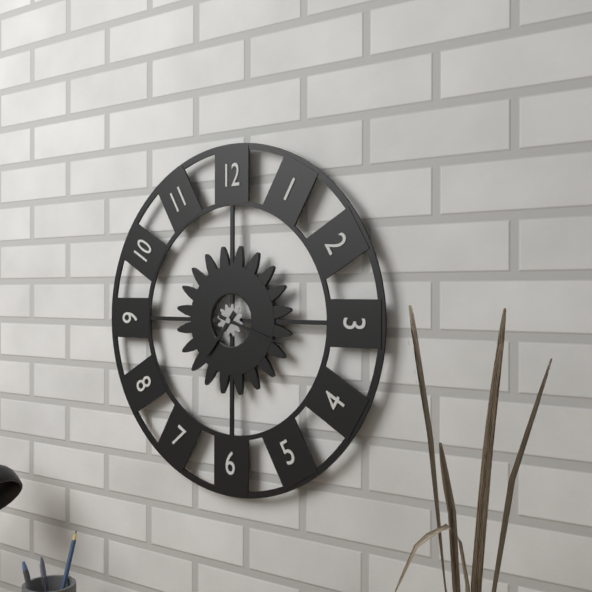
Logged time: 7,18
